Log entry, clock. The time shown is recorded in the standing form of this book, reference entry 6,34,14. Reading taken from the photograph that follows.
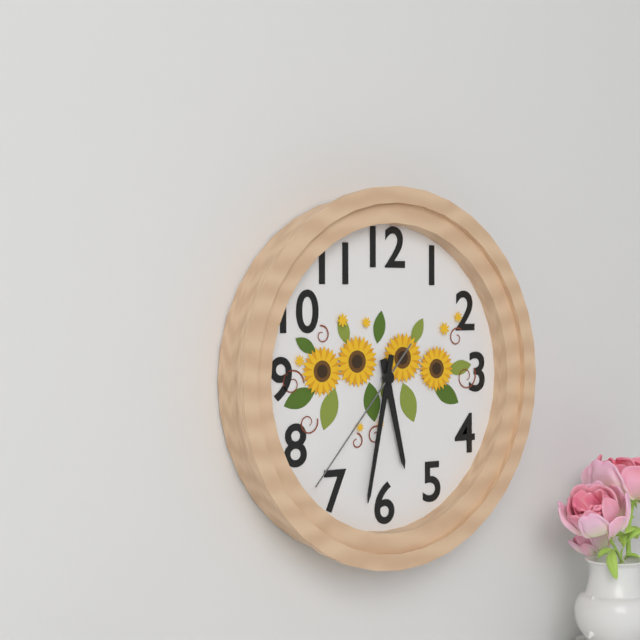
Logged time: 5,32,37
